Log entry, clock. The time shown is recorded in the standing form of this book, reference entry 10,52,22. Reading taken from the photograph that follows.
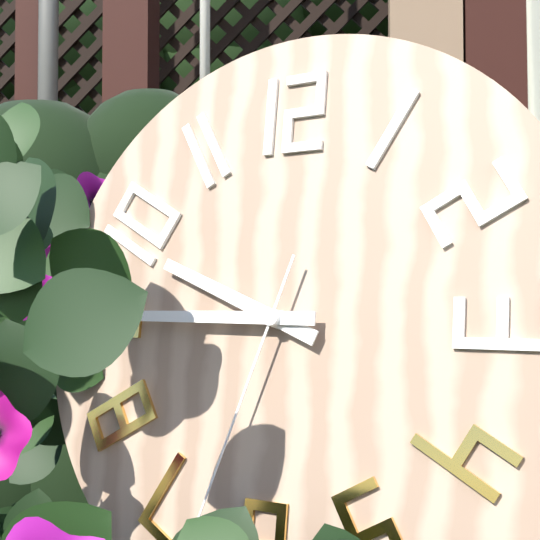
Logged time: 9,45,33
